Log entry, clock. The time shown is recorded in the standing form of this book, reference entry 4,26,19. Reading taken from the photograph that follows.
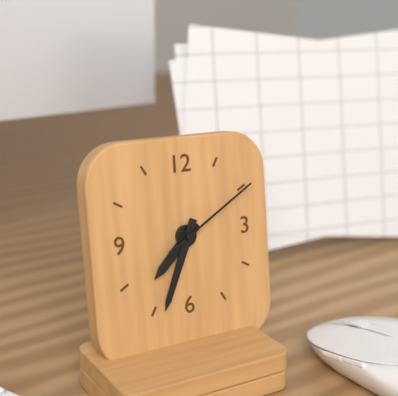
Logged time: 7,34,10
